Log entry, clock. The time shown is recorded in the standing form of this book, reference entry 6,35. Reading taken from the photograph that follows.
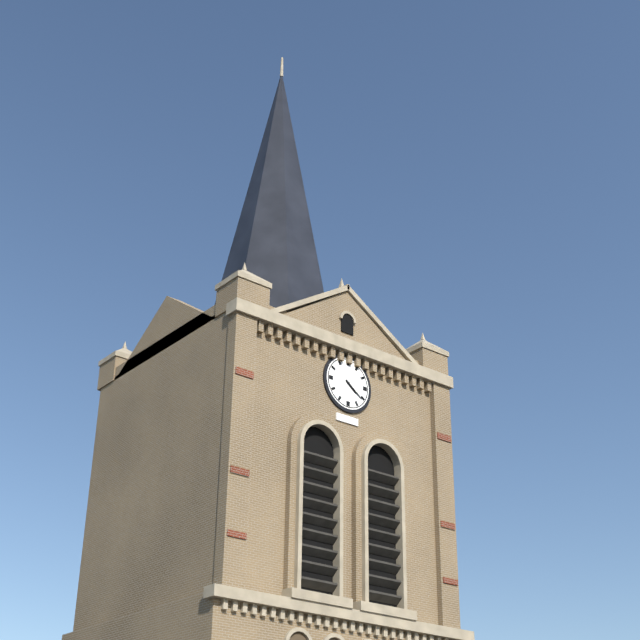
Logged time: 4,21
